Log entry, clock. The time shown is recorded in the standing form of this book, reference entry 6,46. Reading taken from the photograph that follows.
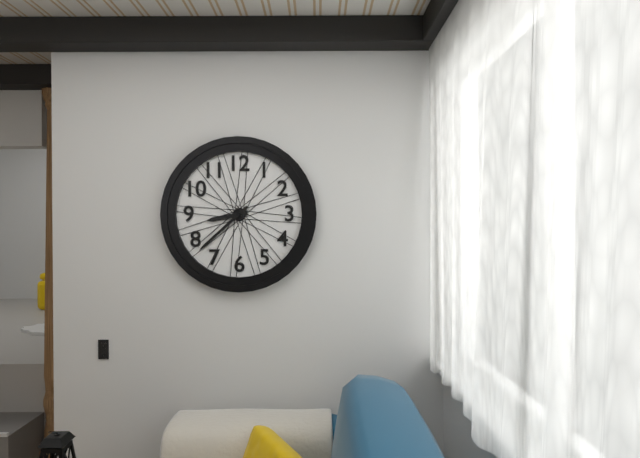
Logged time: 8,38
